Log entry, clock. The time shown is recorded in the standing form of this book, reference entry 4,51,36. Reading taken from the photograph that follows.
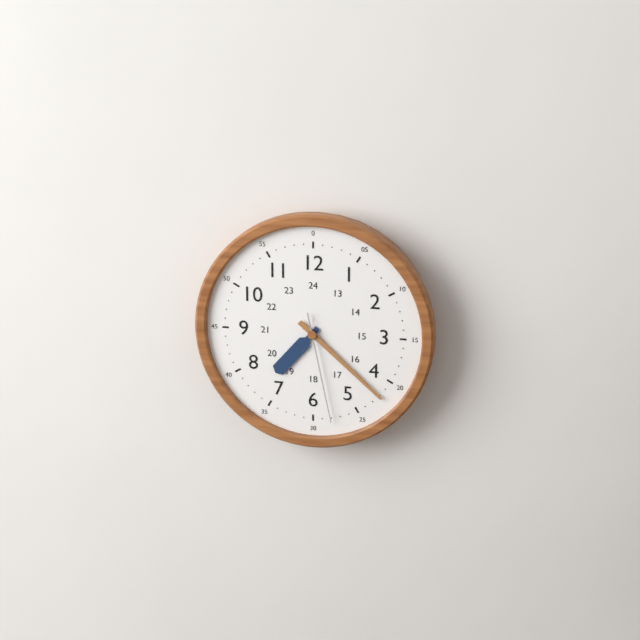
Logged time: 7,22,28
